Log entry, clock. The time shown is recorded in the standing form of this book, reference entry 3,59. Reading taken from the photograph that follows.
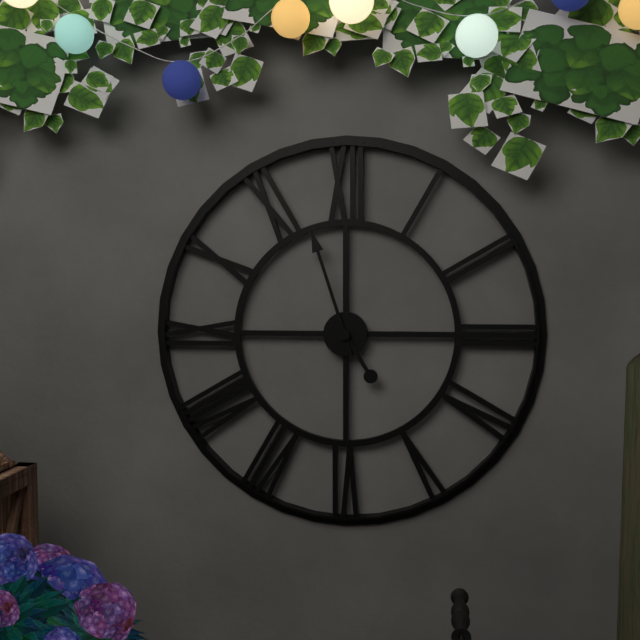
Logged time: 4,57
